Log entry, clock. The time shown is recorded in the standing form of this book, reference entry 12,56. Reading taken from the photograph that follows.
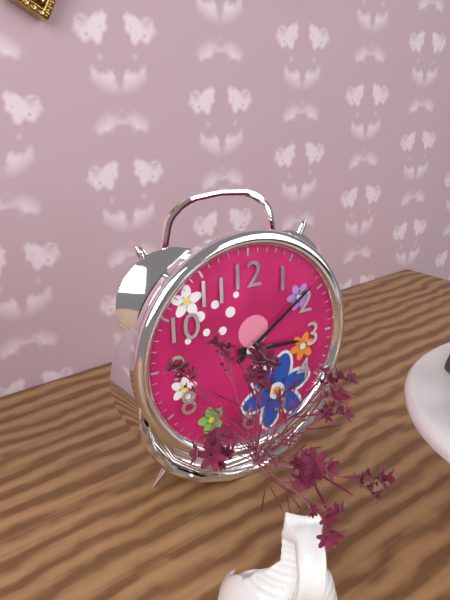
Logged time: 3,09
